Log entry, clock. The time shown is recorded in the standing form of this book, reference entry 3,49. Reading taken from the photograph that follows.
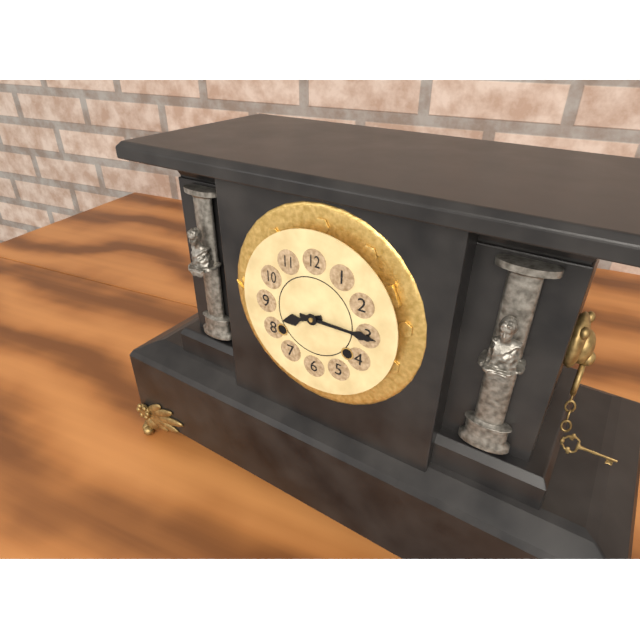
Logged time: 8,15
